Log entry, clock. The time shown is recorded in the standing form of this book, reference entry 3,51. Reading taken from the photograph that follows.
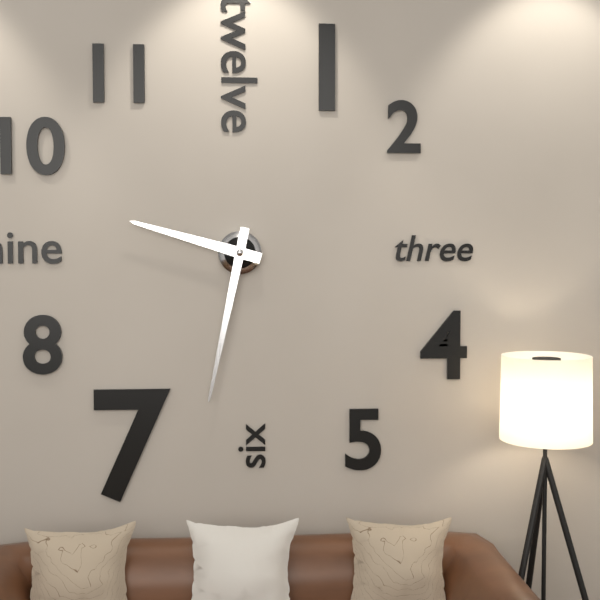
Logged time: 9,32
